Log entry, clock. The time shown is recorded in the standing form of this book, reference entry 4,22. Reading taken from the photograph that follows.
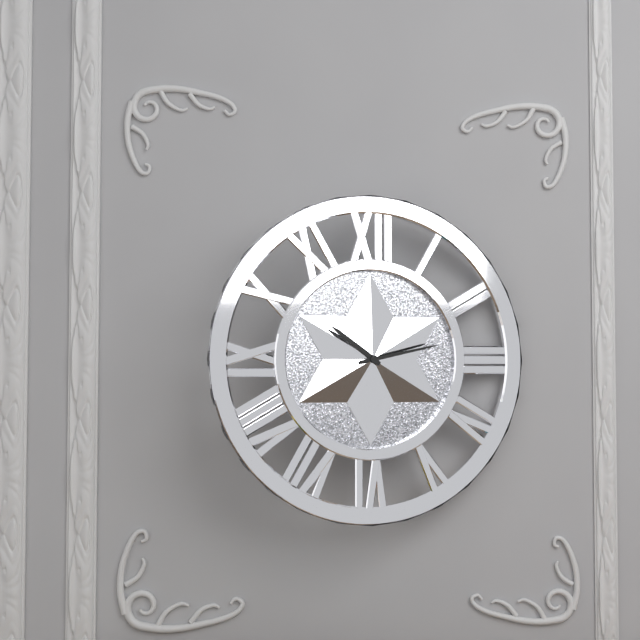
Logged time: 10,13
